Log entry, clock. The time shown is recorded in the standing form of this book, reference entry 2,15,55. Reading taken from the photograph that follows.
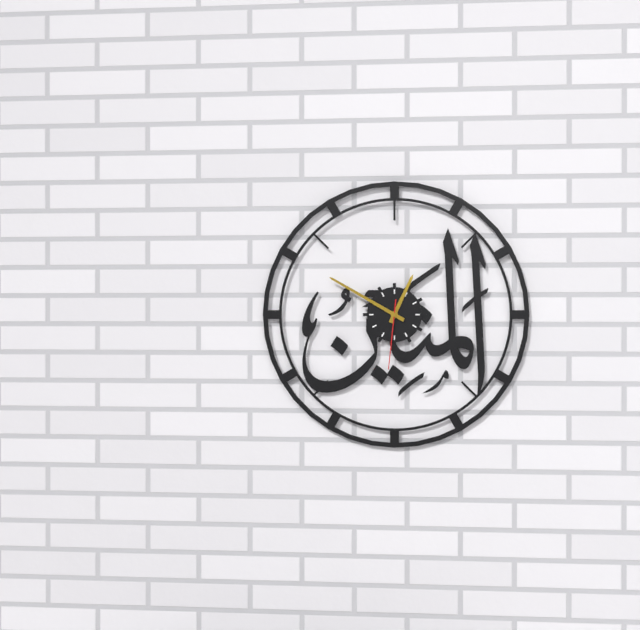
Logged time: 12,50,31
